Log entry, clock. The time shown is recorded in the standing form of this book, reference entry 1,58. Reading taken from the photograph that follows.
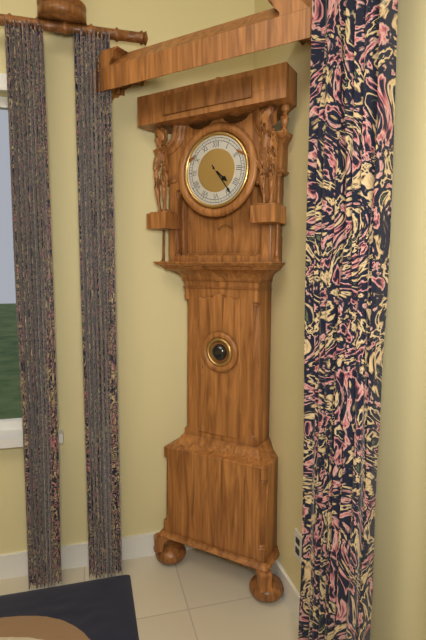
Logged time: 4,24
